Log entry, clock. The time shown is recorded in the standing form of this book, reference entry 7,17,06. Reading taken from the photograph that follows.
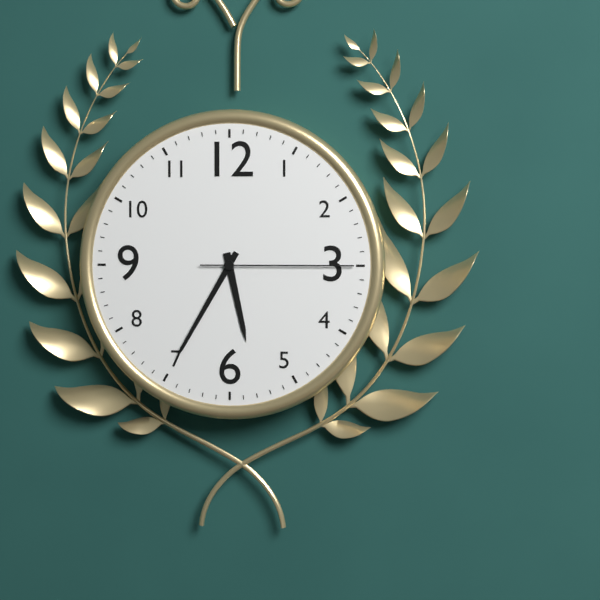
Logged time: 5,35,15
